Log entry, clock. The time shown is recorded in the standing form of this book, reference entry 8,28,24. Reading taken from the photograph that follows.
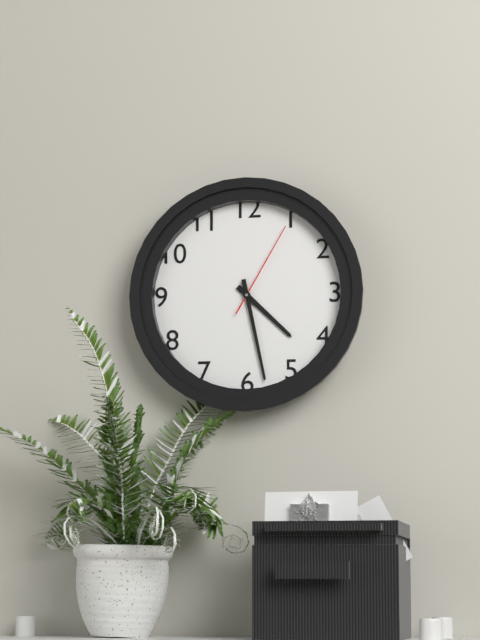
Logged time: 4,28,05
